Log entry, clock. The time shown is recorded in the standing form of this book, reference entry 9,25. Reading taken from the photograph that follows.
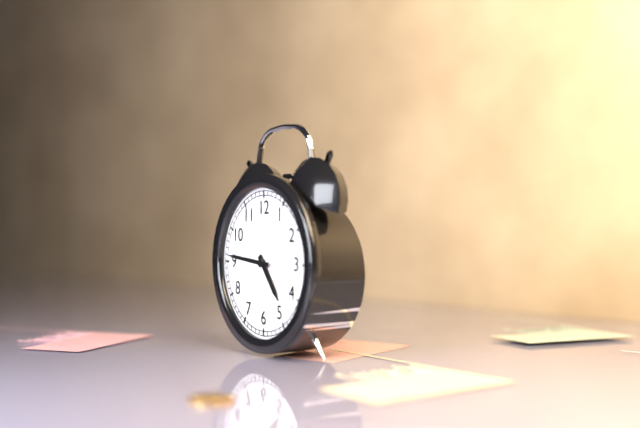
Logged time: 4,46
